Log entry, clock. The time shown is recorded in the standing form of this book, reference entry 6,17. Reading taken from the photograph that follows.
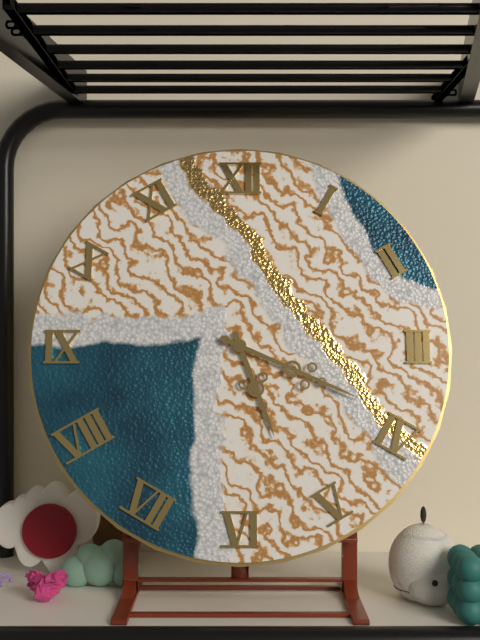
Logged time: 5,19
